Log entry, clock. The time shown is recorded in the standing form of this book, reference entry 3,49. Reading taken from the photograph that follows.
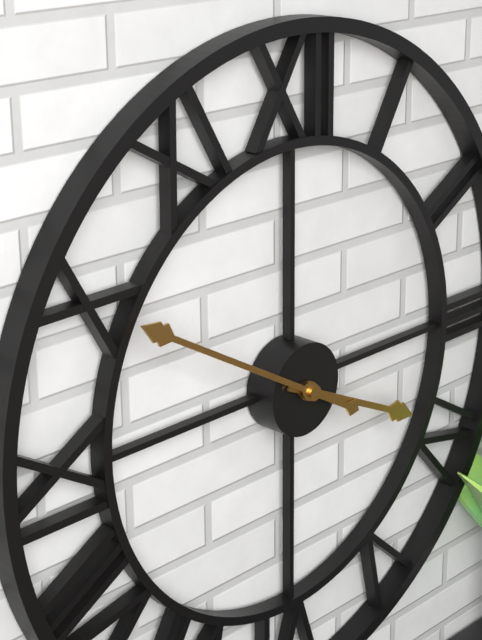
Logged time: 3,50
